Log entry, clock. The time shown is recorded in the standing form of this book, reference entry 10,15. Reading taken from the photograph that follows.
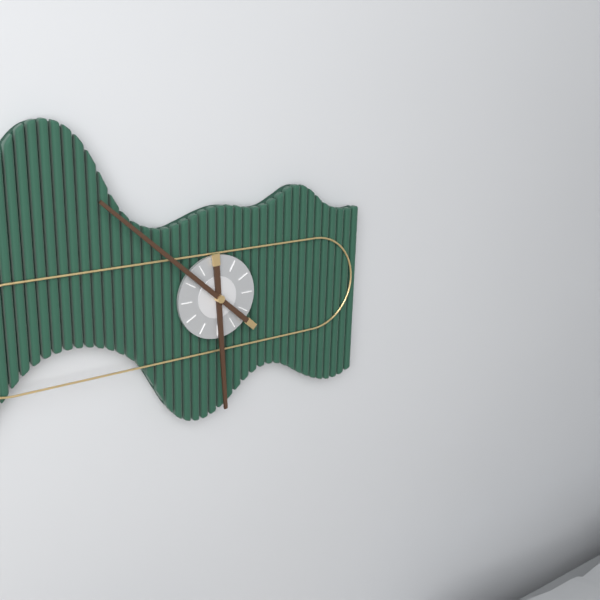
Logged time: 5,52
